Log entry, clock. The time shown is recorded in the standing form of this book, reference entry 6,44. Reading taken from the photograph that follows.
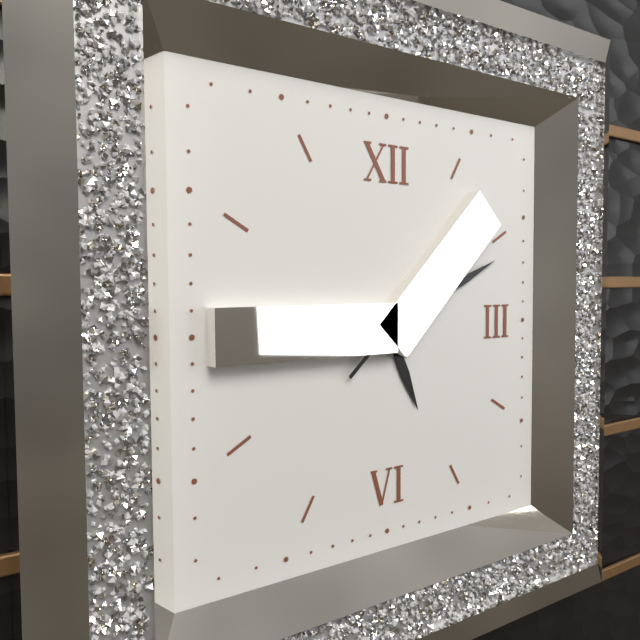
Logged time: 5,11
